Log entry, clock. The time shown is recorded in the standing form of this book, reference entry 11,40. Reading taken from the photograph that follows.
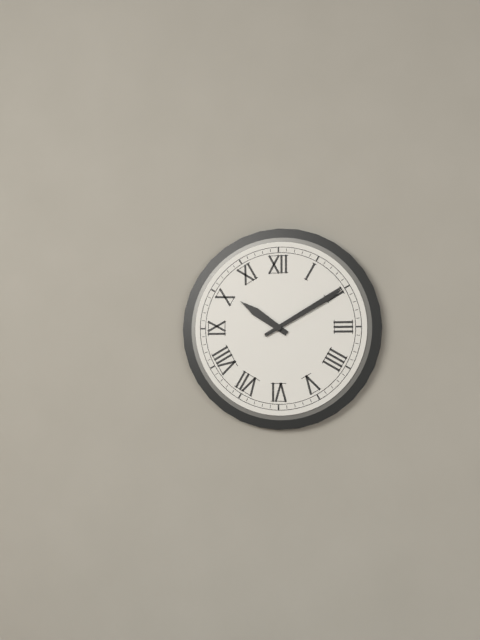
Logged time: 10,10
